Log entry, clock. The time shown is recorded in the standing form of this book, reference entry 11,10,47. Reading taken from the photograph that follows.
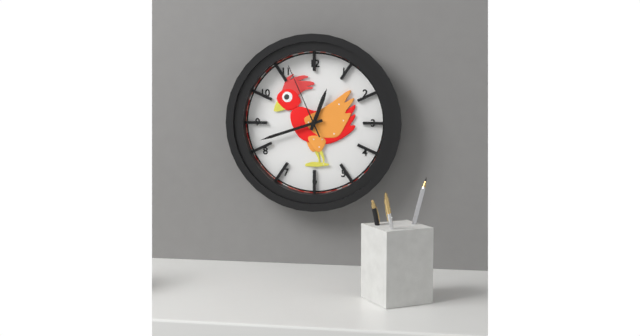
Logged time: 12,42,56
